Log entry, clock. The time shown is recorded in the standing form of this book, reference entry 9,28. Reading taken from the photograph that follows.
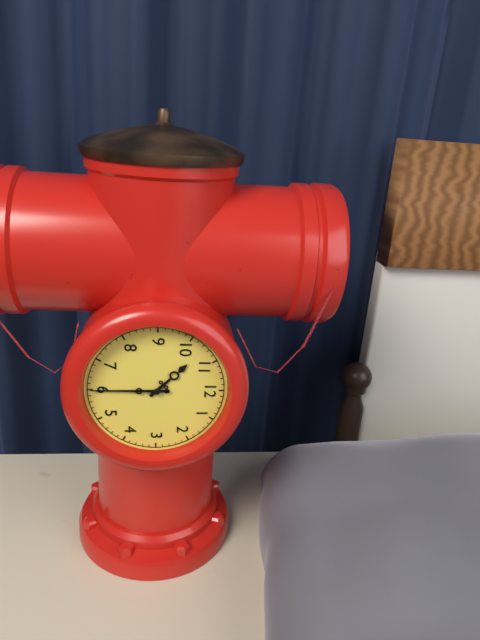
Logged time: 10,30
